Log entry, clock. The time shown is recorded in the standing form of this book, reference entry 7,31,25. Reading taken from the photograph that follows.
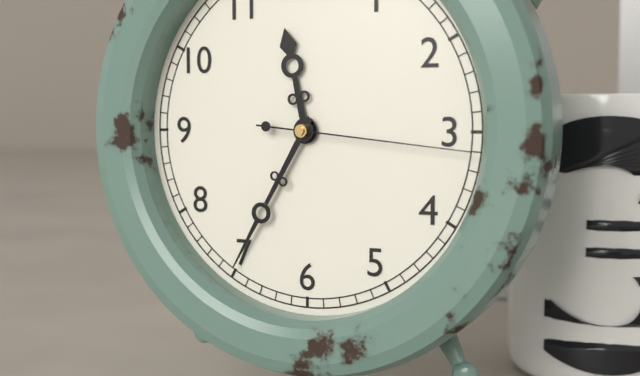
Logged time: 11,35,16
